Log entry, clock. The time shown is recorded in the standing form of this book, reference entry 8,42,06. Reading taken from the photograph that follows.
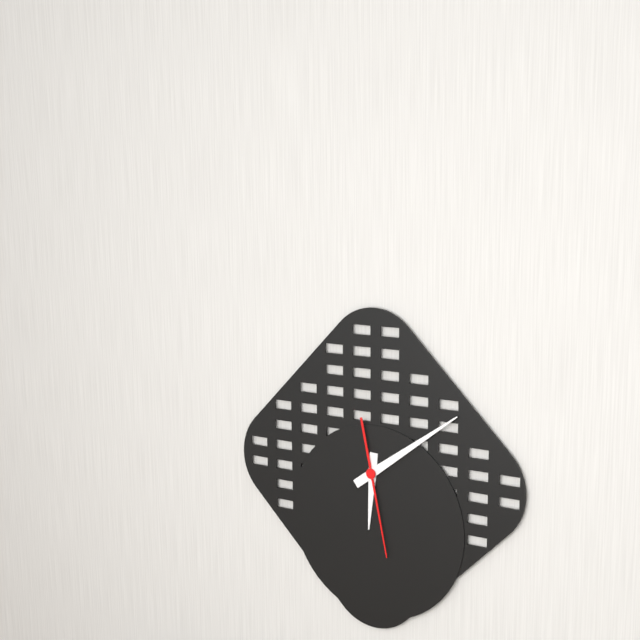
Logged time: 6,09,28
